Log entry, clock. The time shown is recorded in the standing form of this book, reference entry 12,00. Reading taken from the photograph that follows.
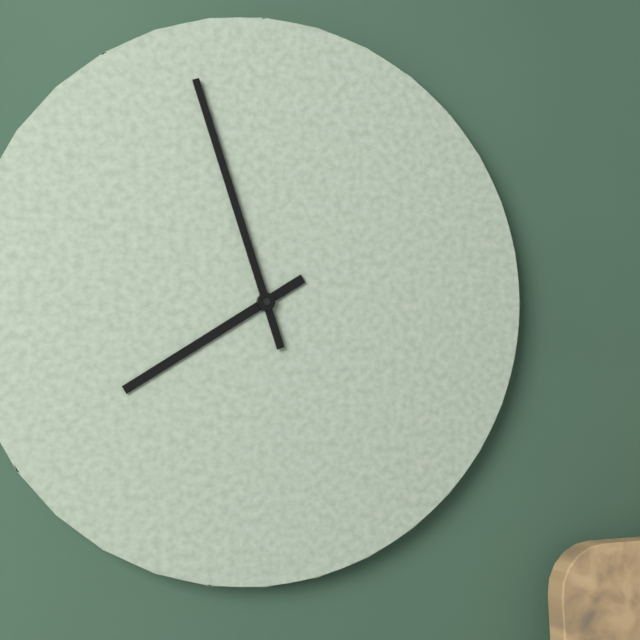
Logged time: 7,57
